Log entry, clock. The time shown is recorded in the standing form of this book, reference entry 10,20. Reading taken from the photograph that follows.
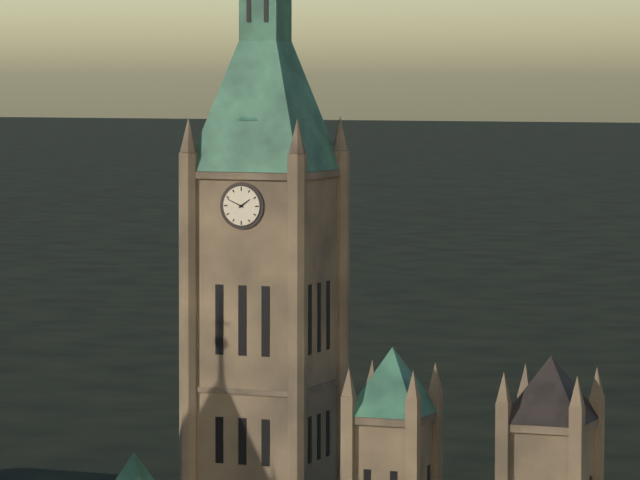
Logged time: 1,49
